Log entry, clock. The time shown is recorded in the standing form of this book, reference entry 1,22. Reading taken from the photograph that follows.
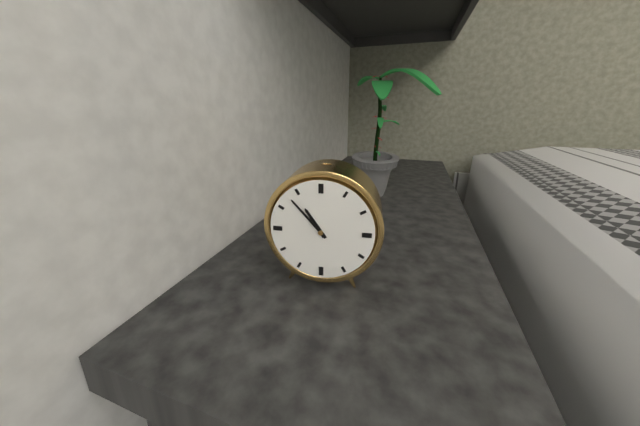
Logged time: 10,53
